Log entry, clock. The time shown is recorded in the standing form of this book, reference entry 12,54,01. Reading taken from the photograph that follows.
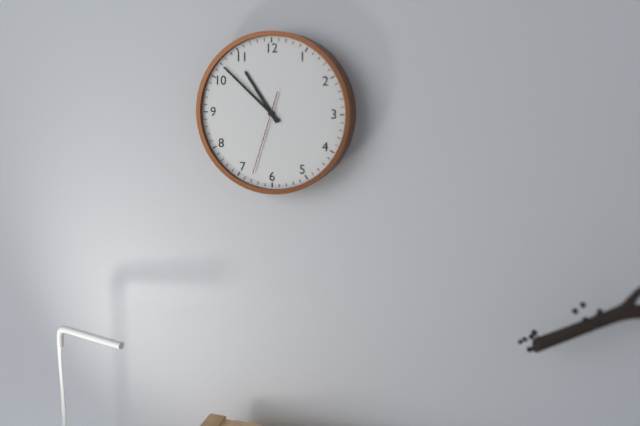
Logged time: 10,52,33
